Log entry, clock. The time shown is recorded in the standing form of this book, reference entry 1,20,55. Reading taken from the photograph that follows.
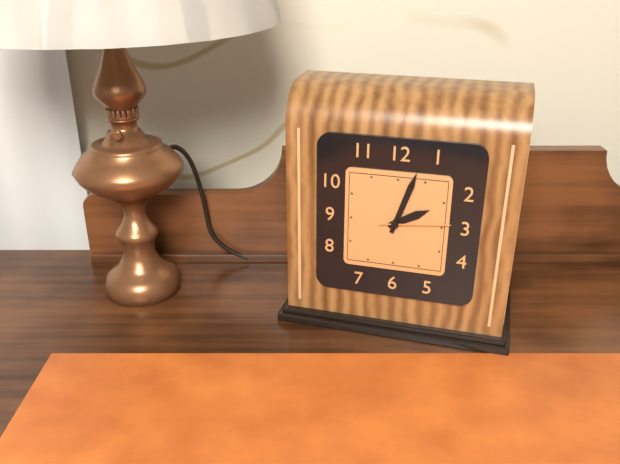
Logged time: 2,03,14
